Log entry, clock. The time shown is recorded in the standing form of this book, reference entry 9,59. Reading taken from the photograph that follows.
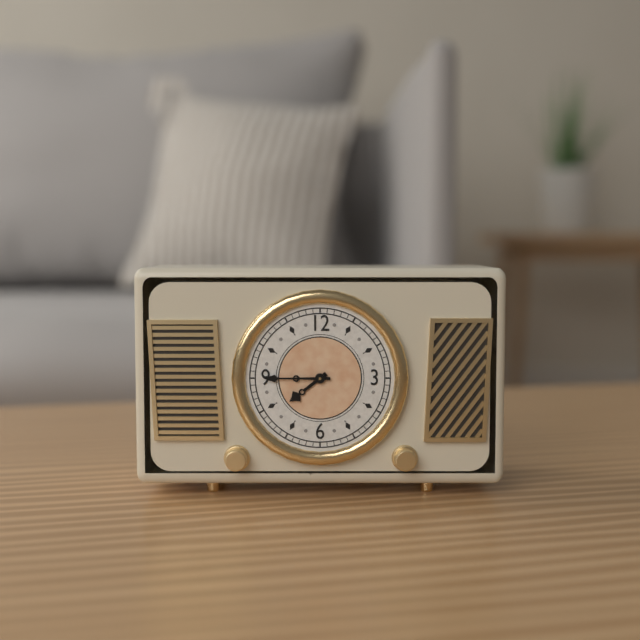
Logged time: 7,45
